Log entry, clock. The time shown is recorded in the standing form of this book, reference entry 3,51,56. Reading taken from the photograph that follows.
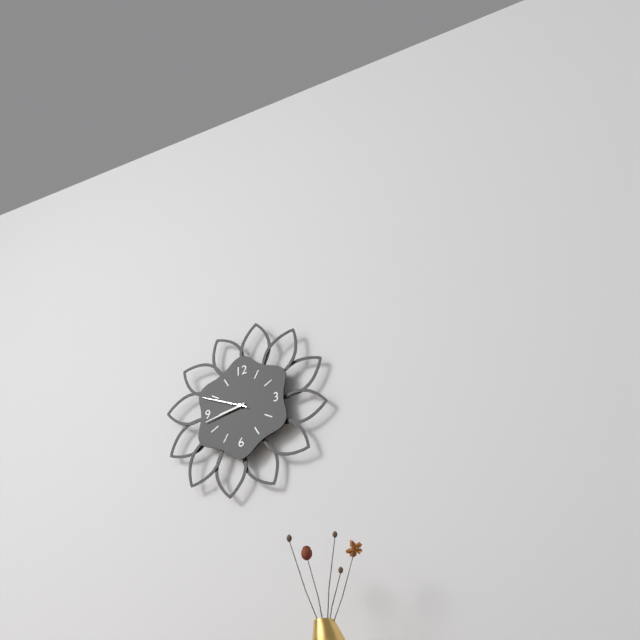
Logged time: 8,43,49
